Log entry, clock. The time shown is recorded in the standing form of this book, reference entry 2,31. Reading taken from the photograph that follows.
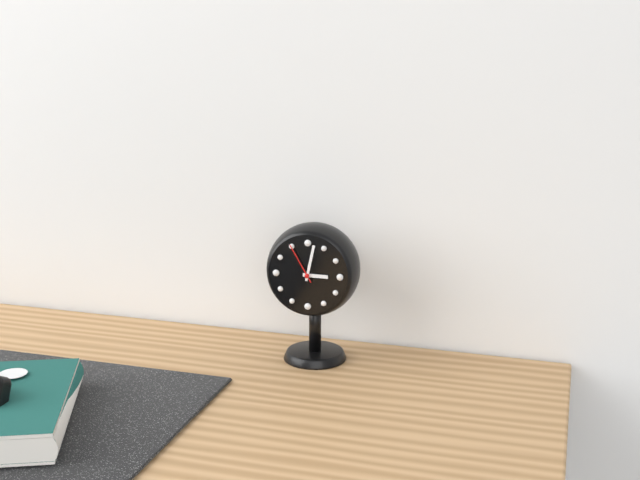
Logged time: 3,02
